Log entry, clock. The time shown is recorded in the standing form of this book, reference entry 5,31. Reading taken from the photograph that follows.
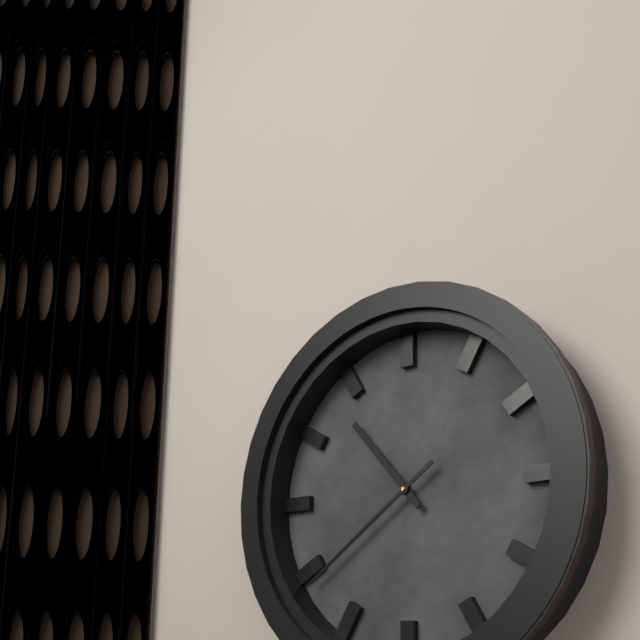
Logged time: 10,39
